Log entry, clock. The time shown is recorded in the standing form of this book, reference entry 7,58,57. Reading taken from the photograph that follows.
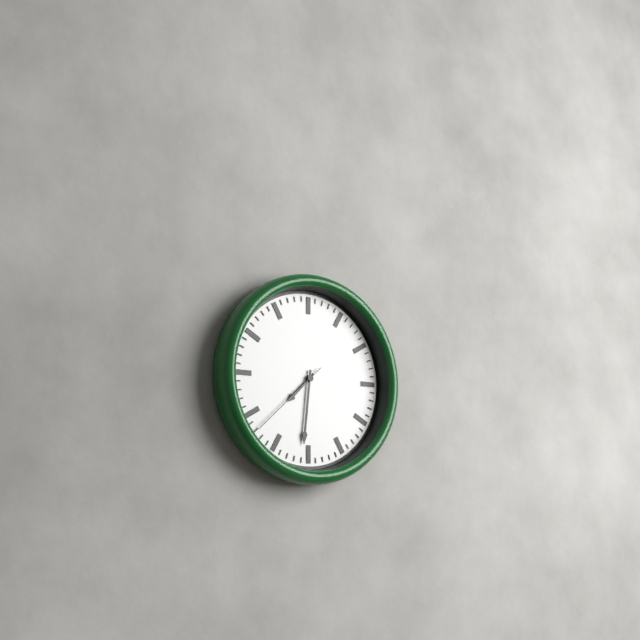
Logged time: 7,31,38
